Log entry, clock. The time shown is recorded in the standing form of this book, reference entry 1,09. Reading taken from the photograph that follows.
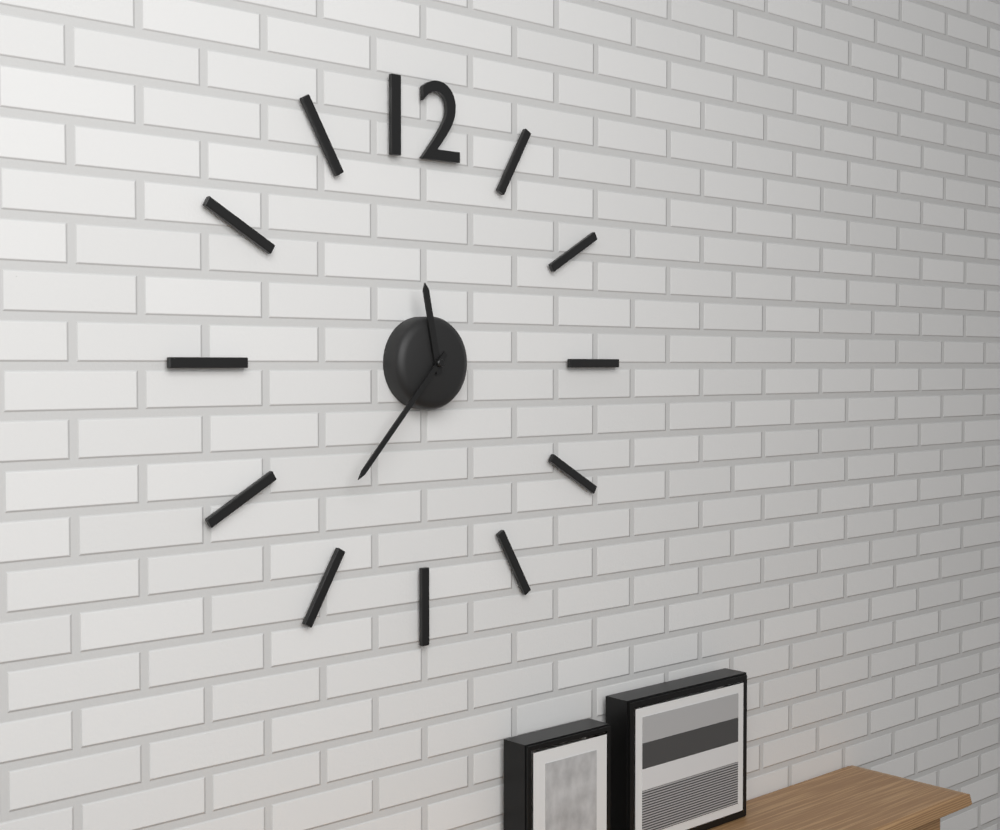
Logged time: 11,37
